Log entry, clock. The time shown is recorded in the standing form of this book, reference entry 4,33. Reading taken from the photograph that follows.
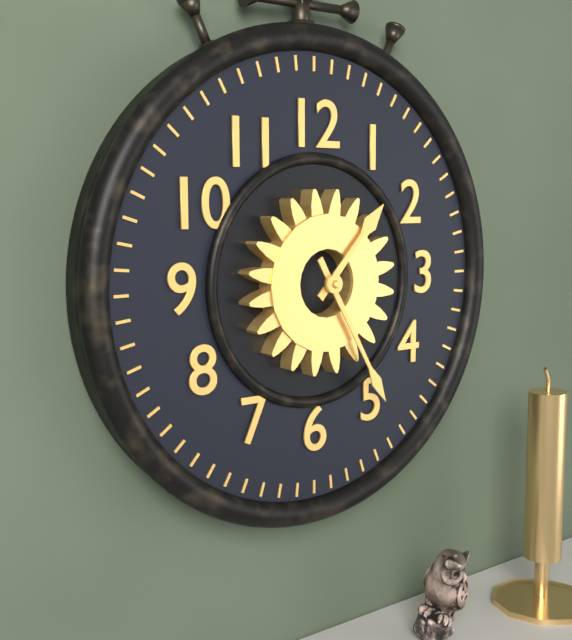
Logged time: 1,25
